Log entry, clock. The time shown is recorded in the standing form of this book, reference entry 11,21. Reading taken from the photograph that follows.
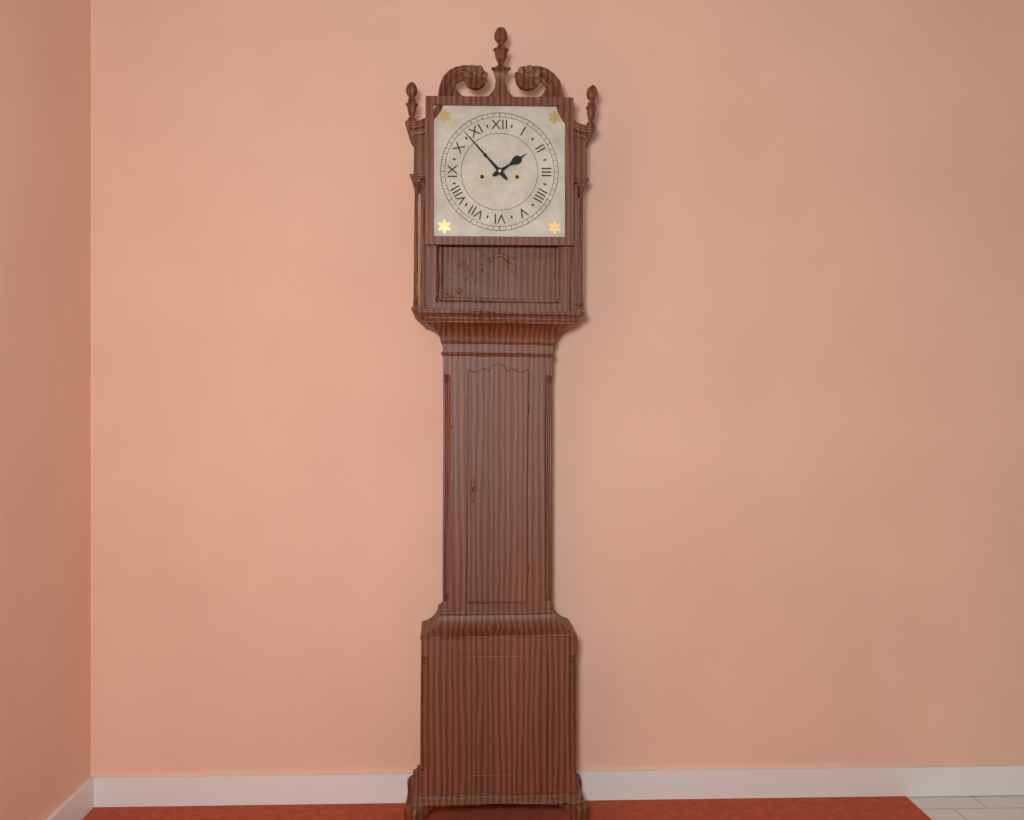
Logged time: 1,53
